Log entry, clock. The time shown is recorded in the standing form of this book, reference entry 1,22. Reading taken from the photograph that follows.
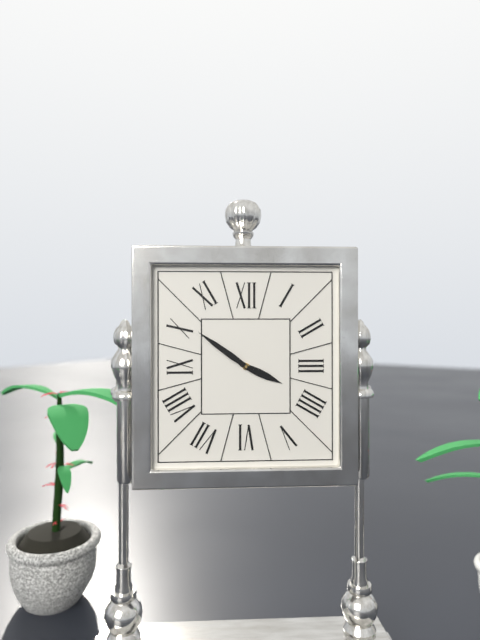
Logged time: 3,51
